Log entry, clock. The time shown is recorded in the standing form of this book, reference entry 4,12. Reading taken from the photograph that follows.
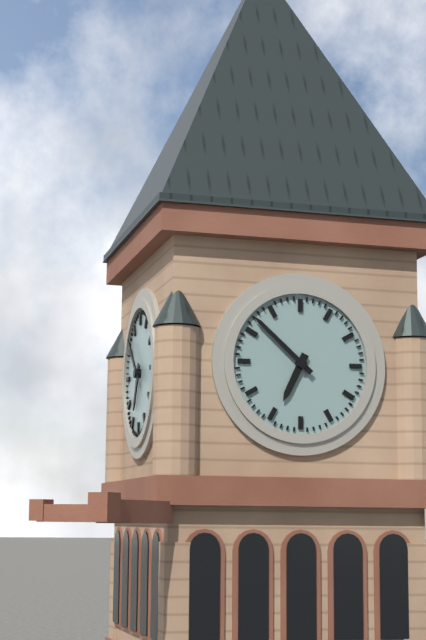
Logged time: 6,52
